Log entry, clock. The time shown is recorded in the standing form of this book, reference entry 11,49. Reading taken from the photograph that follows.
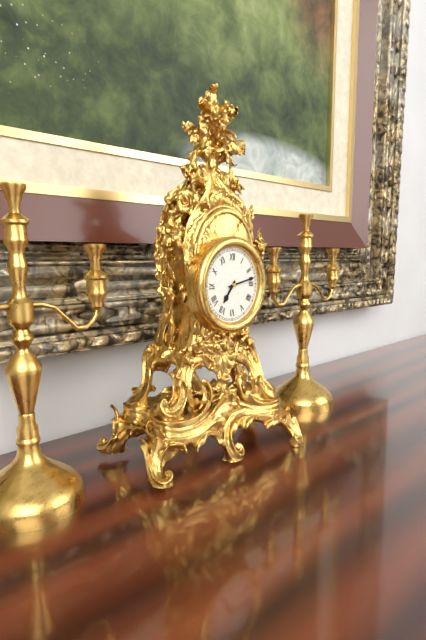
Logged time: 7,13
